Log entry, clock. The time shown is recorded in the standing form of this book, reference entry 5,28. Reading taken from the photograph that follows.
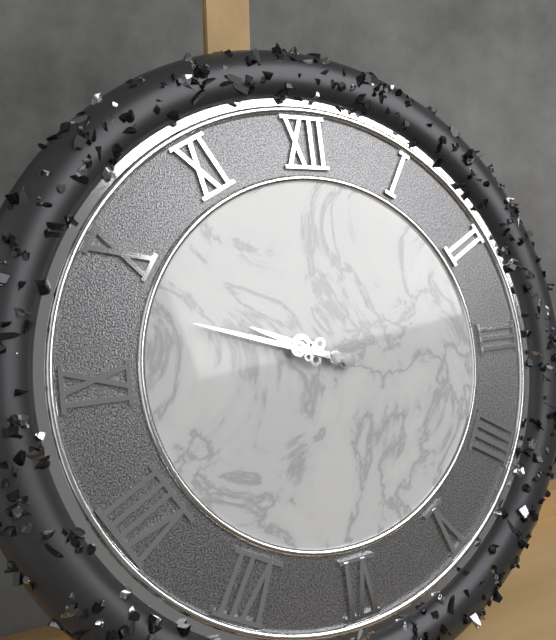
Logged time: 9,48
